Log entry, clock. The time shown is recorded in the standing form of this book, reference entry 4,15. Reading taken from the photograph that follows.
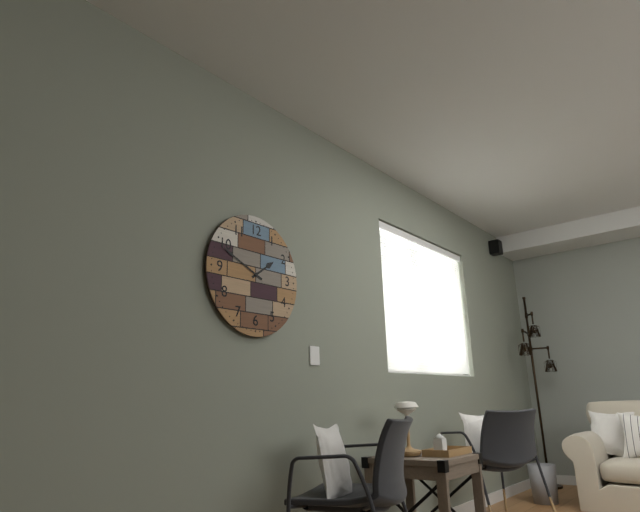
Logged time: 1,49
